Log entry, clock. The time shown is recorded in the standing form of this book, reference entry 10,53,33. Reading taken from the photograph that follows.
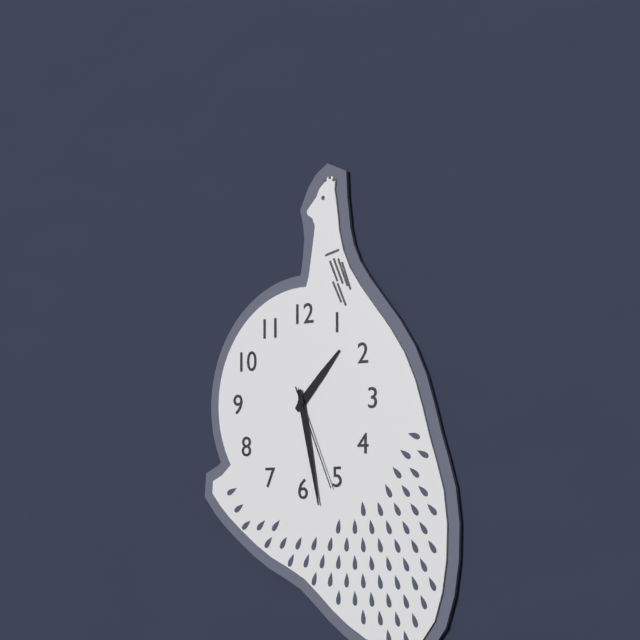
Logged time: 1,28,26
